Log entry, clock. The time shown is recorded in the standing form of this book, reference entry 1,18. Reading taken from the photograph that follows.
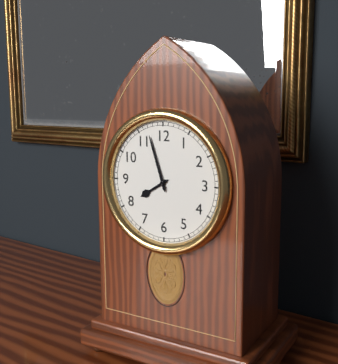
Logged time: 7,57
